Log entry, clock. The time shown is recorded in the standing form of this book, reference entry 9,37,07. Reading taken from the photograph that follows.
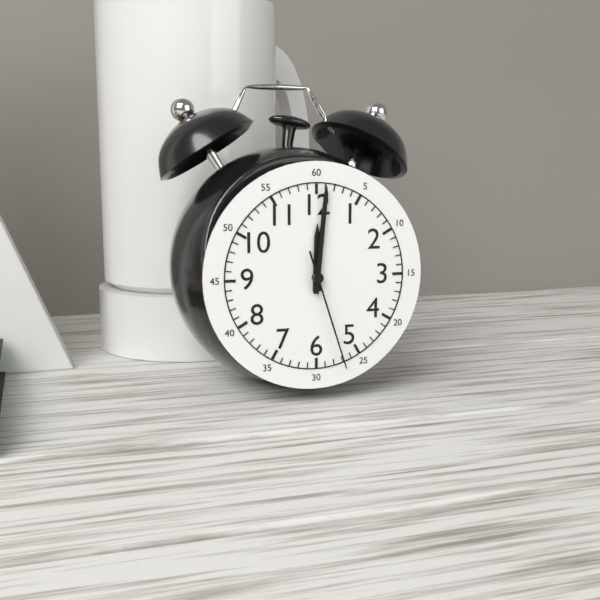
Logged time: 12,01,27
